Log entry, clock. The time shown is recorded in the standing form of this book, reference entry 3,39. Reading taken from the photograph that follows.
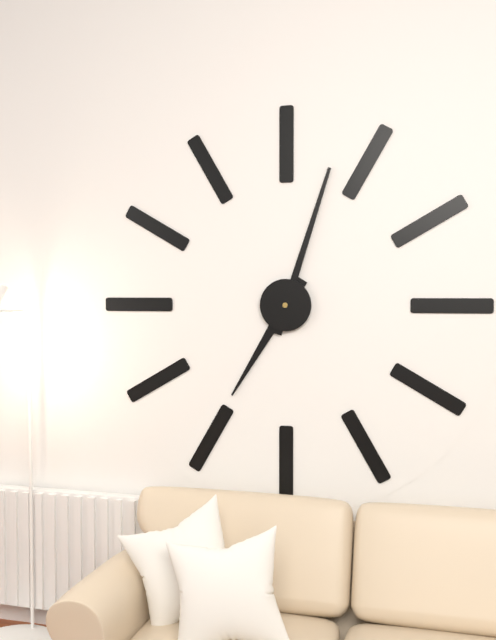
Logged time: 7,03
